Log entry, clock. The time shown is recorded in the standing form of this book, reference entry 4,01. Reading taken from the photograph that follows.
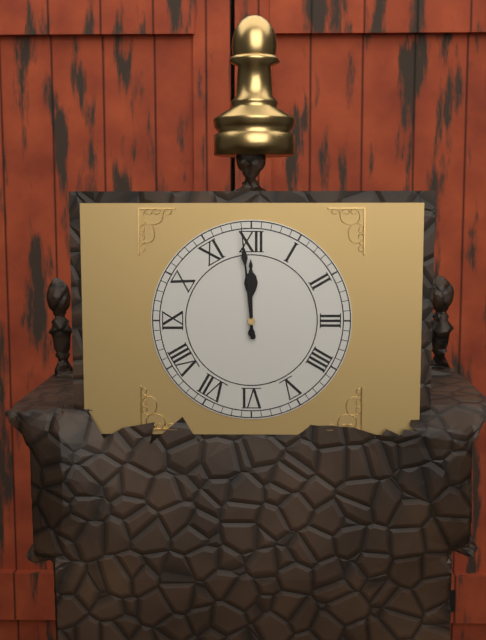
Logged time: 11,59
